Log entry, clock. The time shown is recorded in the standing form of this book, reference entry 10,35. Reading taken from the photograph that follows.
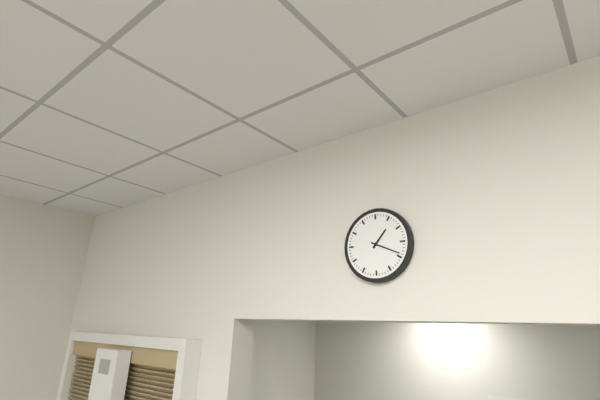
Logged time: 1,19
